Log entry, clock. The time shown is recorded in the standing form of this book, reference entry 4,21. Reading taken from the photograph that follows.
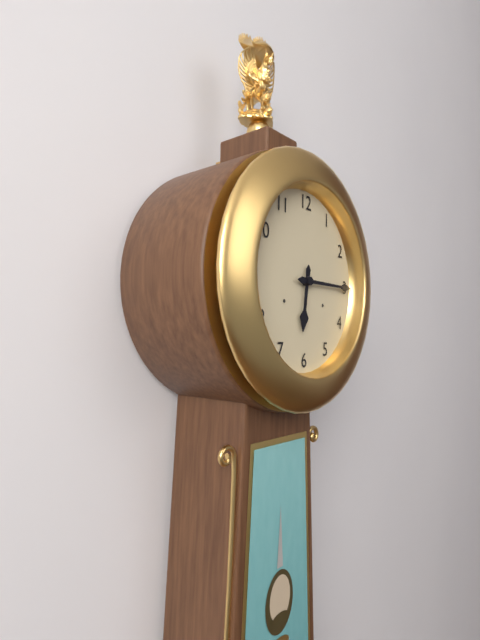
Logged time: 6,15
